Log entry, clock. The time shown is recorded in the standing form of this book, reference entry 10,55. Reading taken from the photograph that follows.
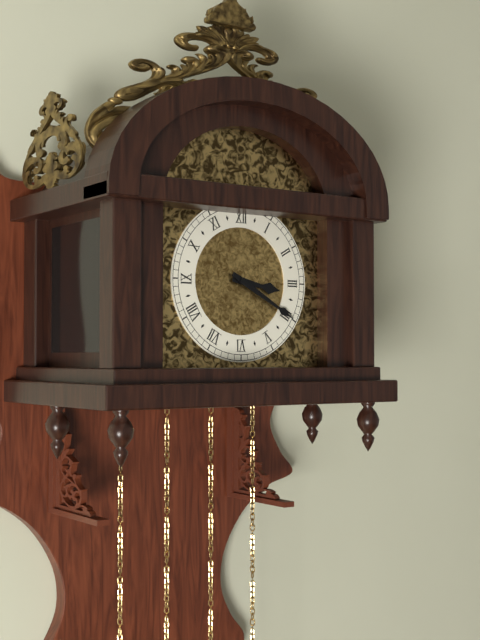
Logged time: 3,20
